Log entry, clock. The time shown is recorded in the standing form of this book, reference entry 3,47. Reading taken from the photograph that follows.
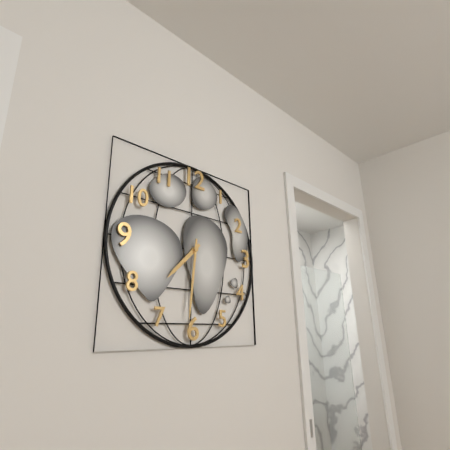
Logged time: 7,31
